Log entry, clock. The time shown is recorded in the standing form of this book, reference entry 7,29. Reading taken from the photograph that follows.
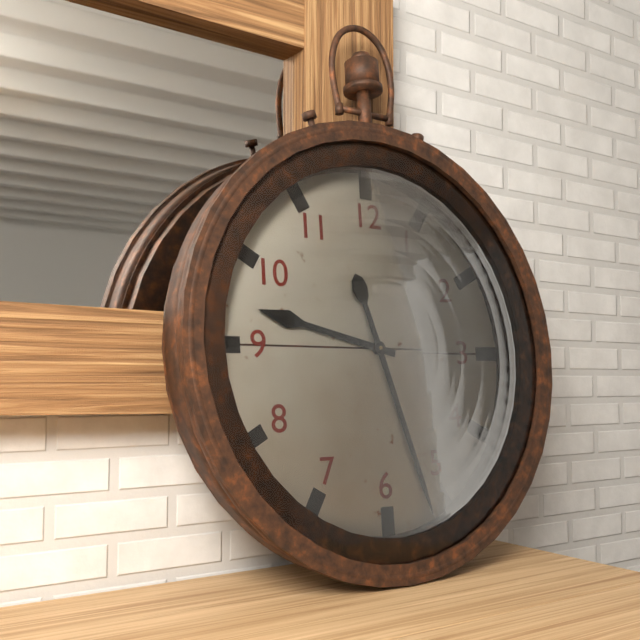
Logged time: 9,27
